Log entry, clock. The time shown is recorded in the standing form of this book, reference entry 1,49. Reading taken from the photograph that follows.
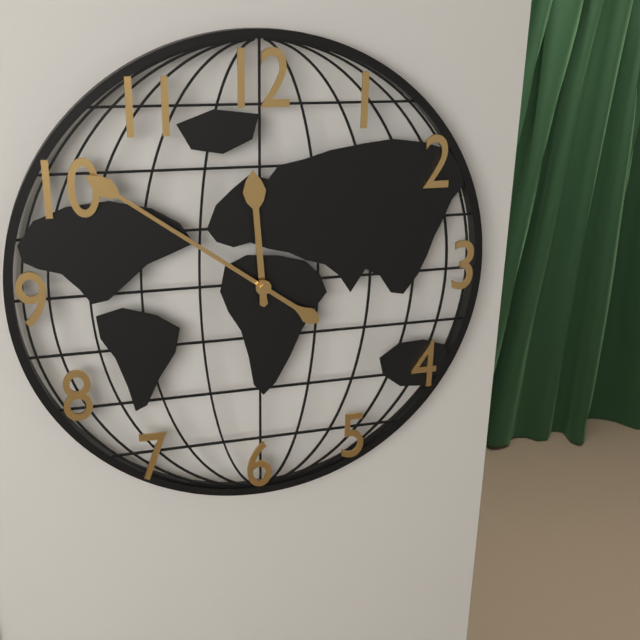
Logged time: 11,51
